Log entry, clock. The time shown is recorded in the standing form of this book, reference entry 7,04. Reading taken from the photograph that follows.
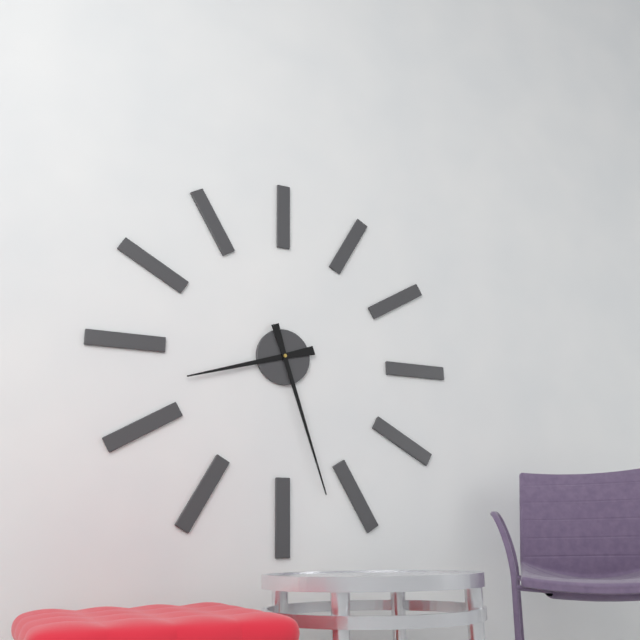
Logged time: 8,27
